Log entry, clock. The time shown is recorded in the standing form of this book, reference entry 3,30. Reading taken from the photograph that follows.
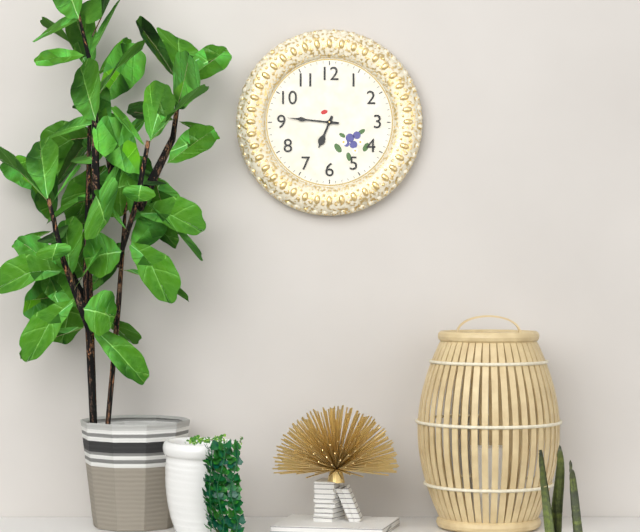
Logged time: 6,46
